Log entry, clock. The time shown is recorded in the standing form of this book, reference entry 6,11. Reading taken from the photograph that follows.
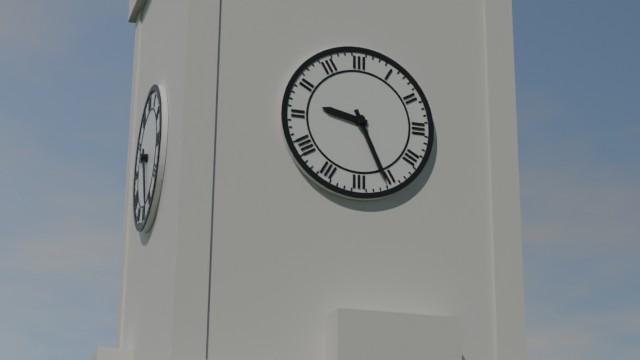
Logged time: 9,26
